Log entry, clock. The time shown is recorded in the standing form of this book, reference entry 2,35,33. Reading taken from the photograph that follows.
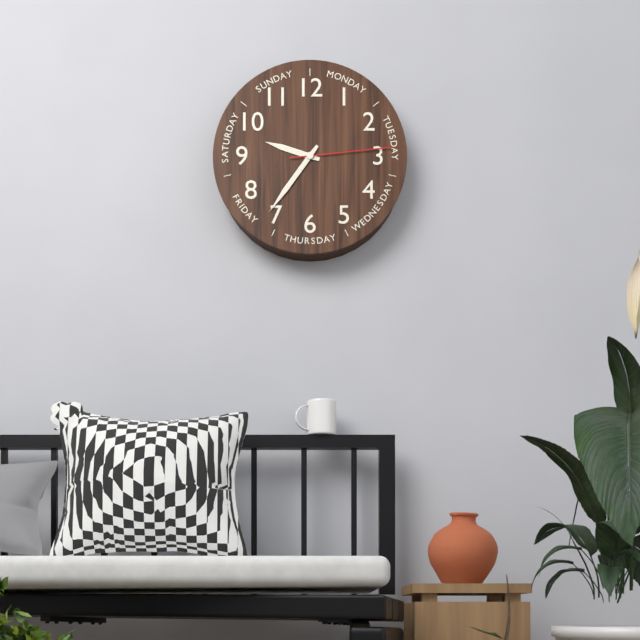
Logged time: 9,36,14
